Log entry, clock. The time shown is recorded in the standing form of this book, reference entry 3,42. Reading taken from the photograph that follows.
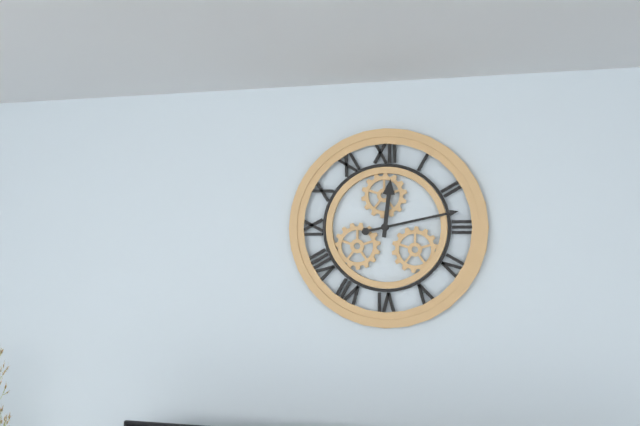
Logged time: 12,13
